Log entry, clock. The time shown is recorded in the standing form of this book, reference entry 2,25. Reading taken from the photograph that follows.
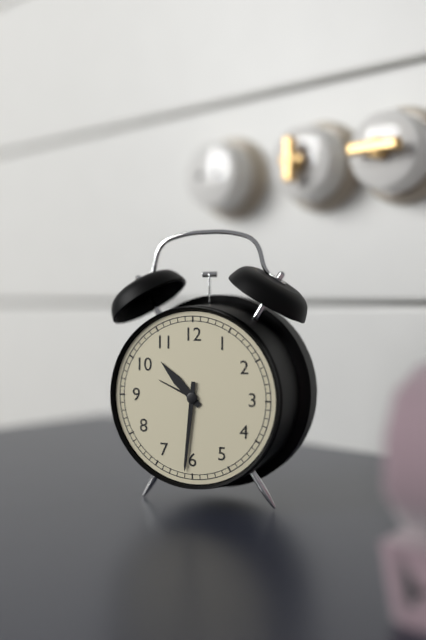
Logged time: 10,31
